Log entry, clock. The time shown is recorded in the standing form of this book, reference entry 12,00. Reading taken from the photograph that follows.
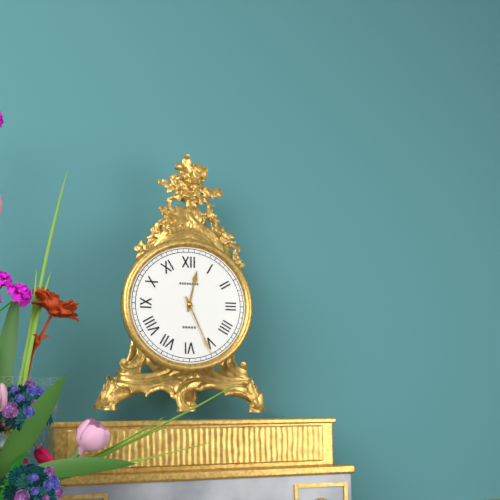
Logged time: 12,26
